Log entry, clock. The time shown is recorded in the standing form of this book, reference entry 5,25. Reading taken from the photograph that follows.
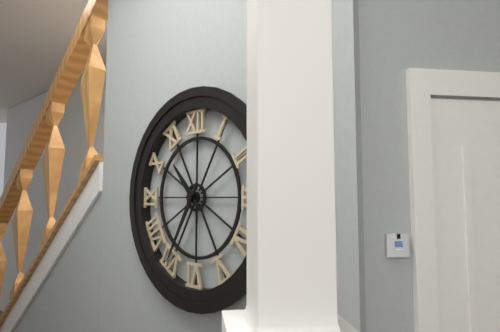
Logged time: 10,35
